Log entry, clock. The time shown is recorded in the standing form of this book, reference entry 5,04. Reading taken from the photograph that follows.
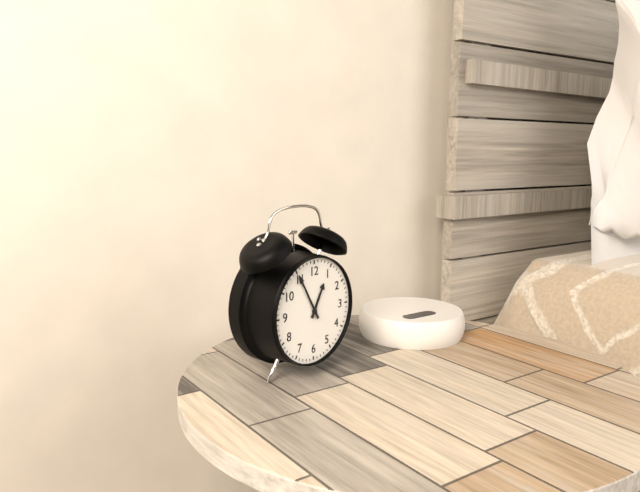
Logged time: 12,55
